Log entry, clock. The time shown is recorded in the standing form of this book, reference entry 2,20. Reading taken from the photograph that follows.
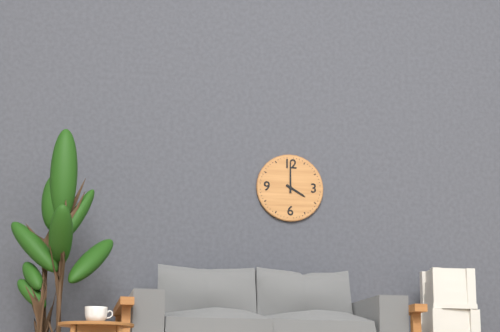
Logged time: 4,00
